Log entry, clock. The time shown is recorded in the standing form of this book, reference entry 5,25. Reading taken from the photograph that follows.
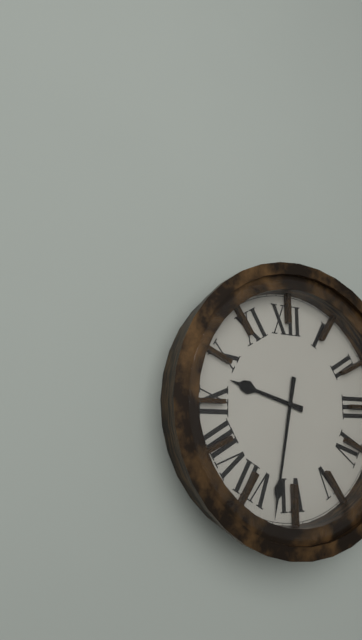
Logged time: 9,32
